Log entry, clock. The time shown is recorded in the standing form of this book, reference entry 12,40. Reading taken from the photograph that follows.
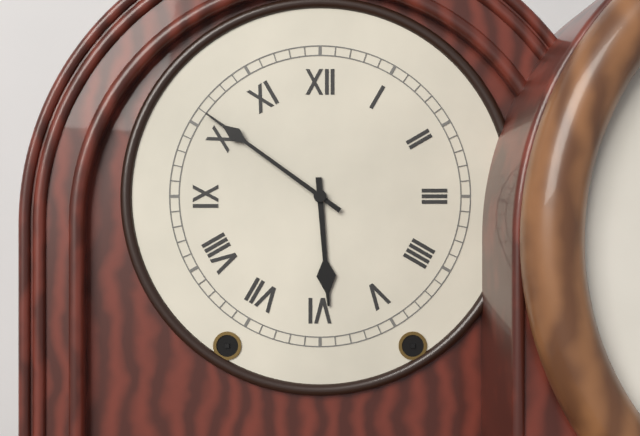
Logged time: 5,51
